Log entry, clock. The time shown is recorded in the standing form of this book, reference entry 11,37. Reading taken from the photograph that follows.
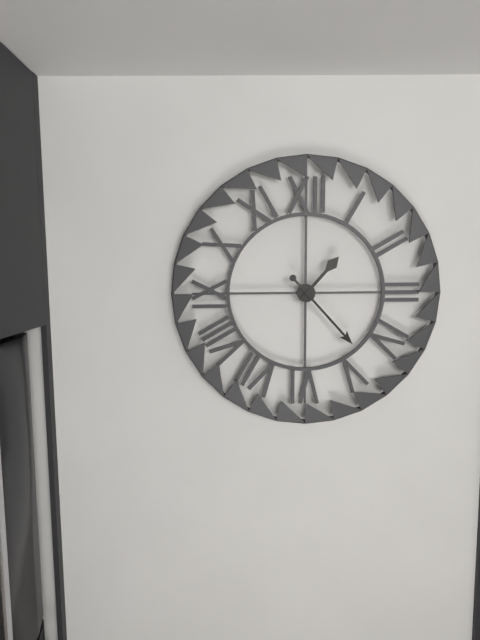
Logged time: 1,23
